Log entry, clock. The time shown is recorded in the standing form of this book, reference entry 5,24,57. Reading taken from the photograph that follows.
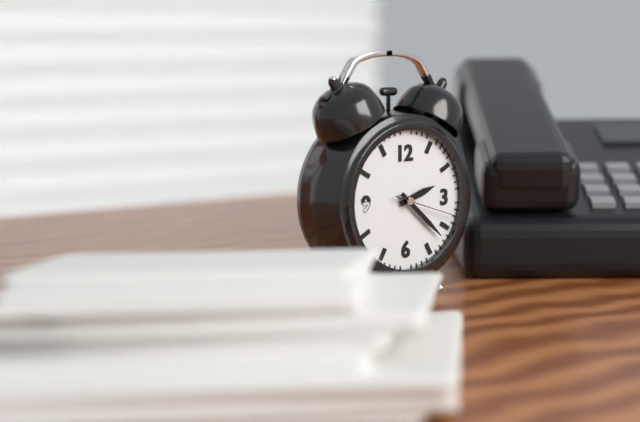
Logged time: 2,22,18
